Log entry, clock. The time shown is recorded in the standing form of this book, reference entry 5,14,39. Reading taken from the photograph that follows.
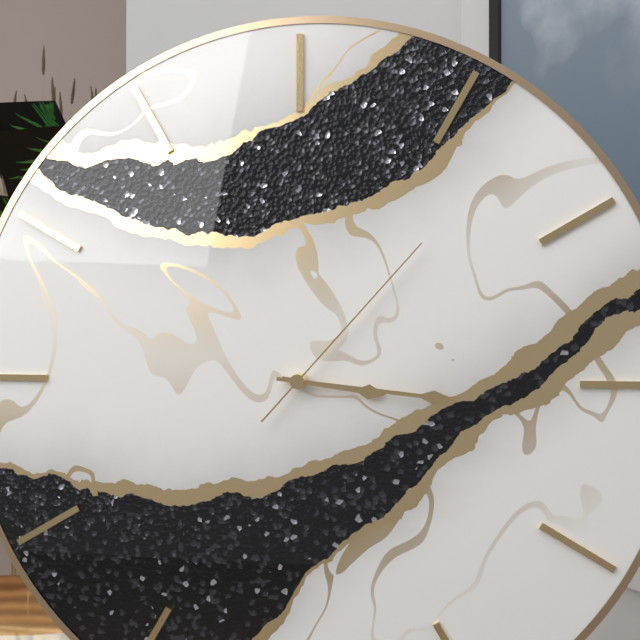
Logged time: 3,16,07
